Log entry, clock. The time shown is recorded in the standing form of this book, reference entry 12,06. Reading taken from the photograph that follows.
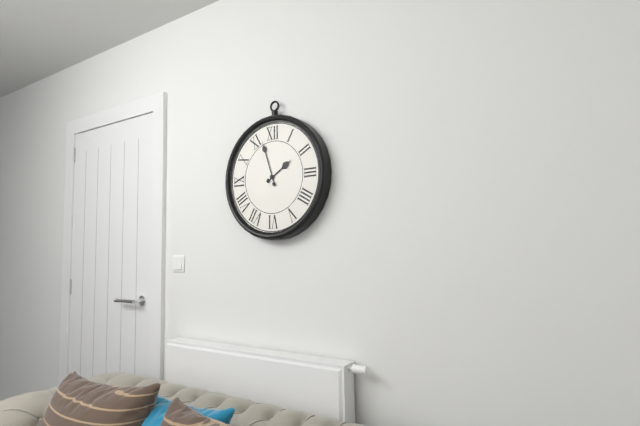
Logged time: 1,57
